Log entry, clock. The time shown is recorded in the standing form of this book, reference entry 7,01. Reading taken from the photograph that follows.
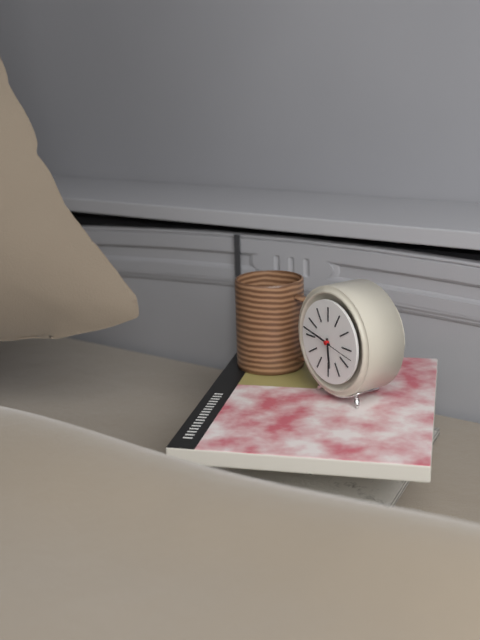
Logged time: 5,47
